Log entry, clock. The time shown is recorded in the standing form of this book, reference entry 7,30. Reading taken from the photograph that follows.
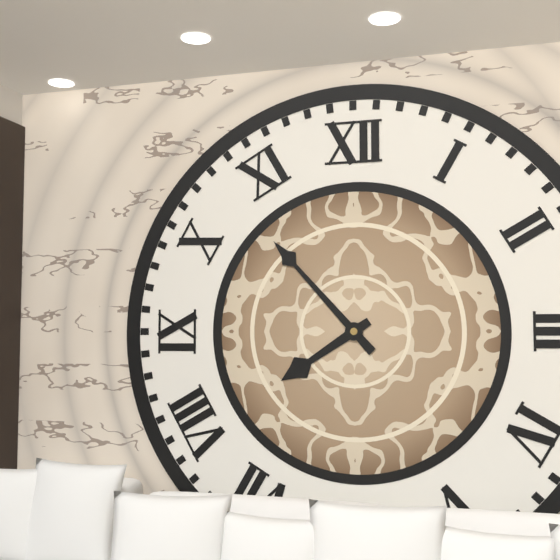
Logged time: 7,53
